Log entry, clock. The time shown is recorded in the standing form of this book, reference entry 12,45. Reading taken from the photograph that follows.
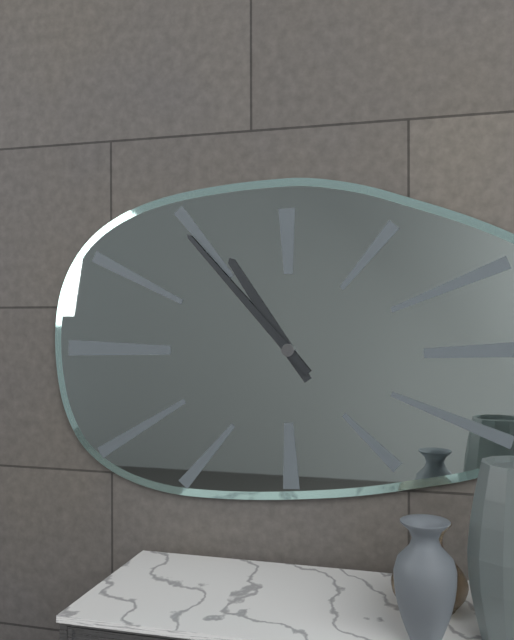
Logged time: 10,53
